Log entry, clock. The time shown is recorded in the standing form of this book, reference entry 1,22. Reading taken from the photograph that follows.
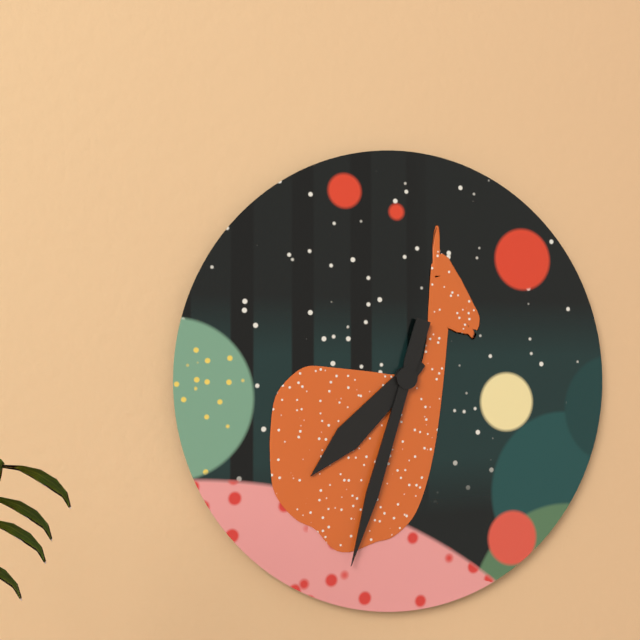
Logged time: 7,33
